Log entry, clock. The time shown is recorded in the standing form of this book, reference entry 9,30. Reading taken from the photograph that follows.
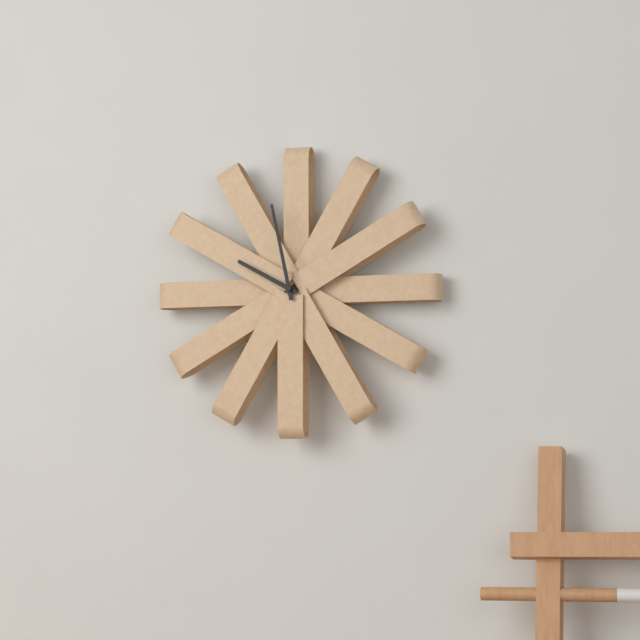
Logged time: 9,58
